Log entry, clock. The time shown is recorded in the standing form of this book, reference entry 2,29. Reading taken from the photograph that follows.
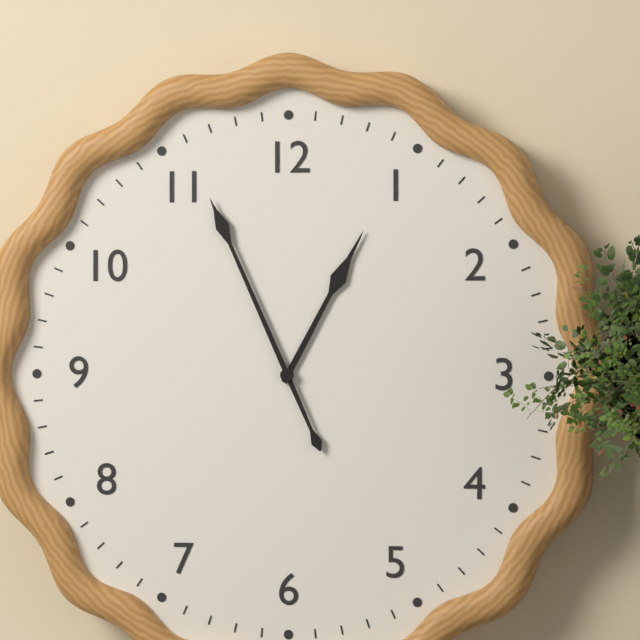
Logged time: 12,56
